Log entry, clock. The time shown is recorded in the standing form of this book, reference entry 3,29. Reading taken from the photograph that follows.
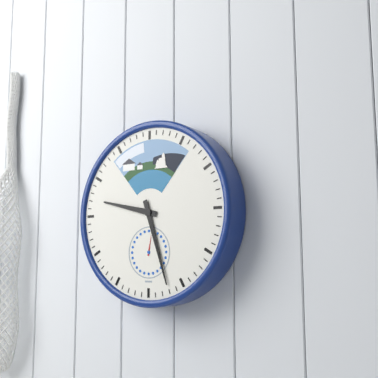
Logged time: 9,27
